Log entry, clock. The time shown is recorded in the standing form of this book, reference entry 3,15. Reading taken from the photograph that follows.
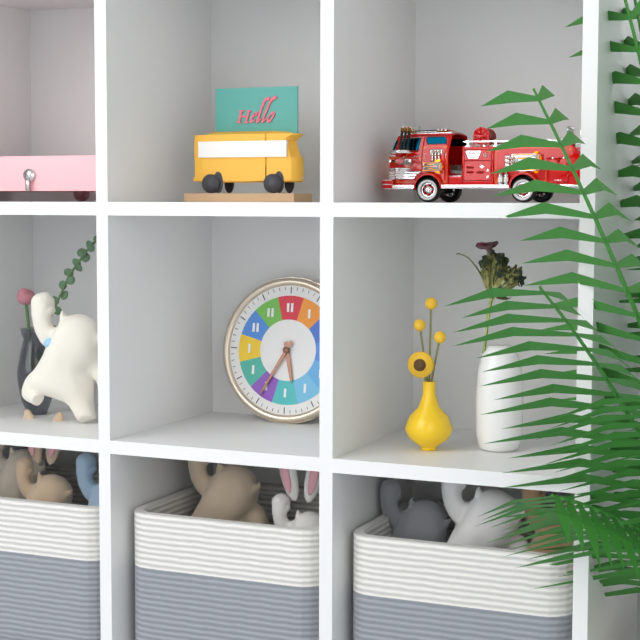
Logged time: 5,35
